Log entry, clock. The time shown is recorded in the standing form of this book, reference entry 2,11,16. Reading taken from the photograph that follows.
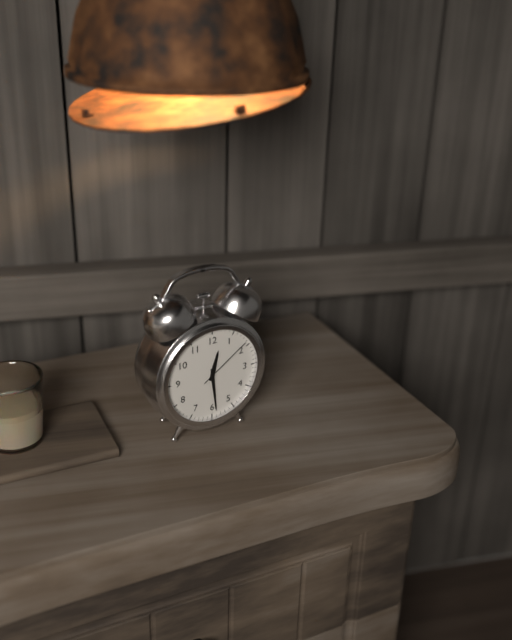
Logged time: 12,29,09
